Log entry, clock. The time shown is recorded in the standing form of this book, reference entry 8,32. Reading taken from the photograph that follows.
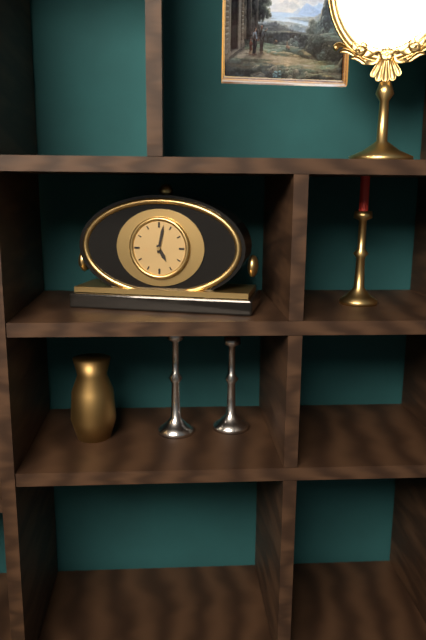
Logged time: 5,02
